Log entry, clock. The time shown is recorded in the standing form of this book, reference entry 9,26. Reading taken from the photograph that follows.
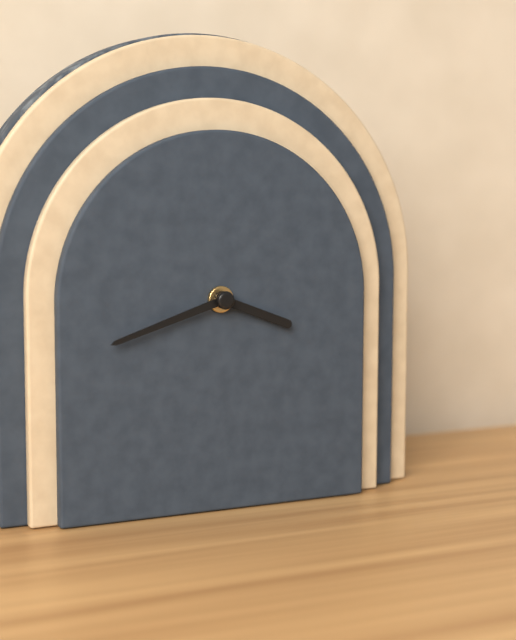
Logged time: 3,42
